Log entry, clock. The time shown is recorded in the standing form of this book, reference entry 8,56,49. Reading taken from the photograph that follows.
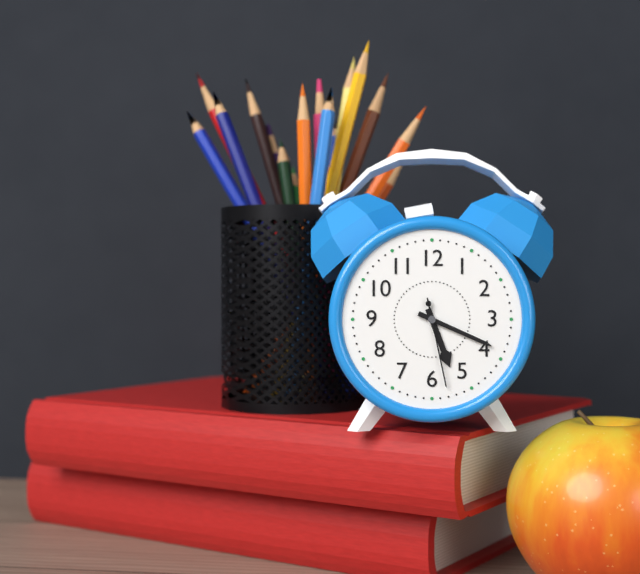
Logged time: 5,19,28
